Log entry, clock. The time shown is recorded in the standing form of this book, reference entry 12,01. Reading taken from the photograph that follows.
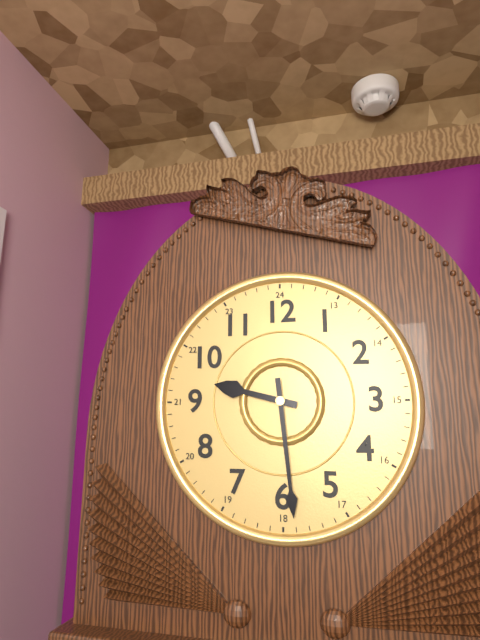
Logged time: 9,29
